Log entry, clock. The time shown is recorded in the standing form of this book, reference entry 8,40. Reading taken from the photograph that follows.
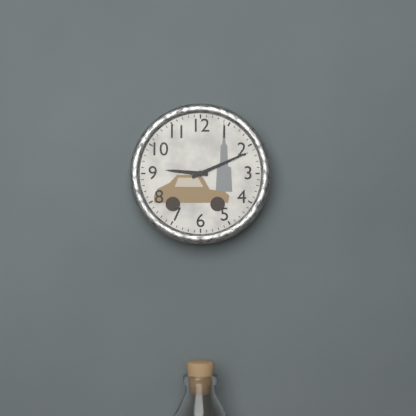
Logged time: 9,11
